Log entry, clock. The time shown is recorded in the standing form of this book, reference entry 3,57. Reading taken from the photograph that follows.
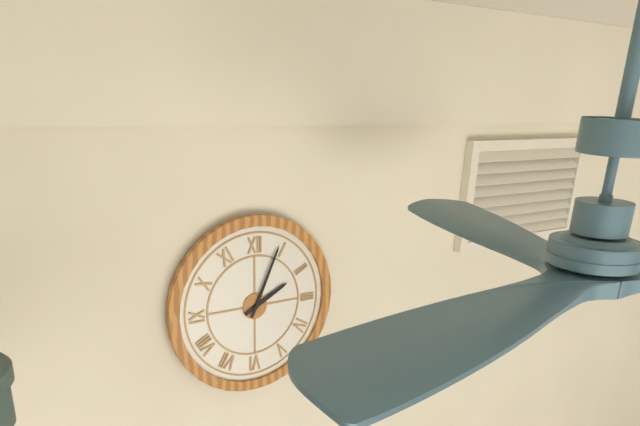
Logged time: 2,04
